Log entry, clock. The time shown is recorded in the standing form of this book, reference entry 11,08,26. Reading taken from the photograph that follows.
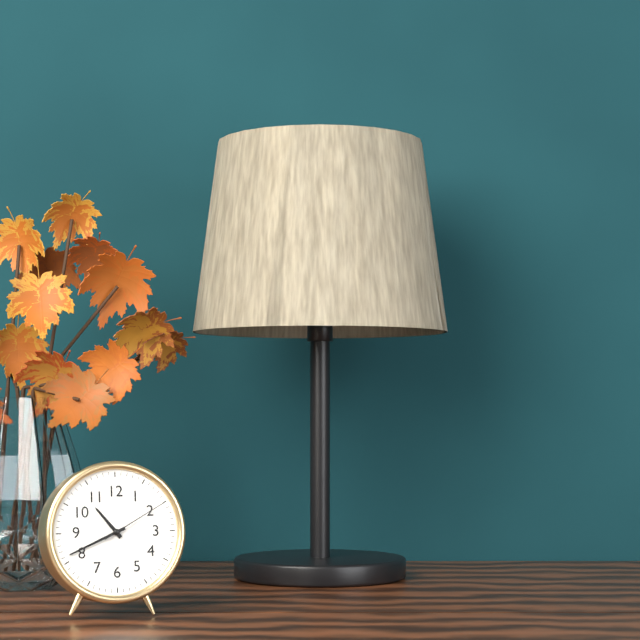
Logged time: 10,41,10
